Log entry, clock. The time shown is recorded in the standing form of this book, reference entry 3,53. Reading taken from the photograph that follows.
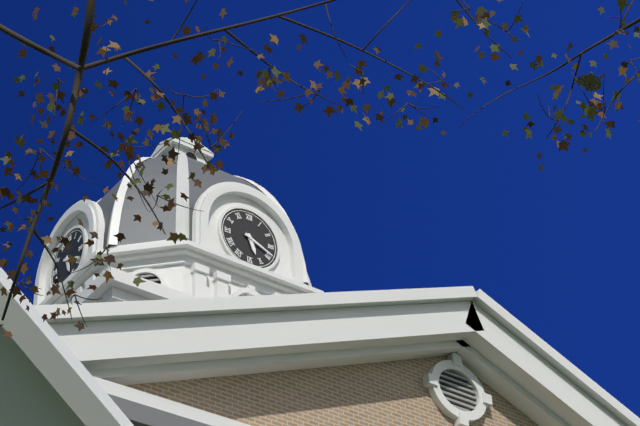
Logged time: 5,19
